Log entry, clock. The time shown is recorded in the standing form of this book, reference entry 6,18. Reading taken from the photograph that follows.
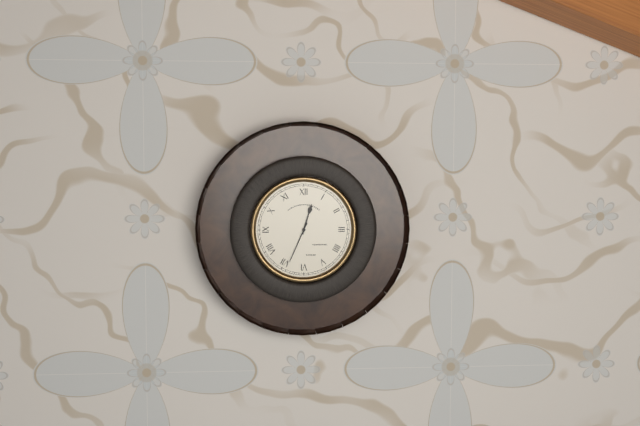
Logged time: 12,34
